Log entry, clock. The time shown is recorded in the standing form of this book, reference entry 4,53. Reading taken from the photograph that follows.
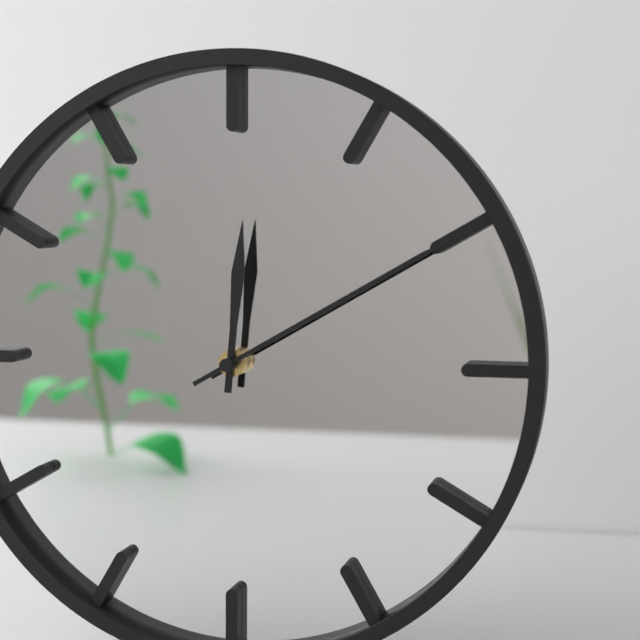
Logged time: 12,10
